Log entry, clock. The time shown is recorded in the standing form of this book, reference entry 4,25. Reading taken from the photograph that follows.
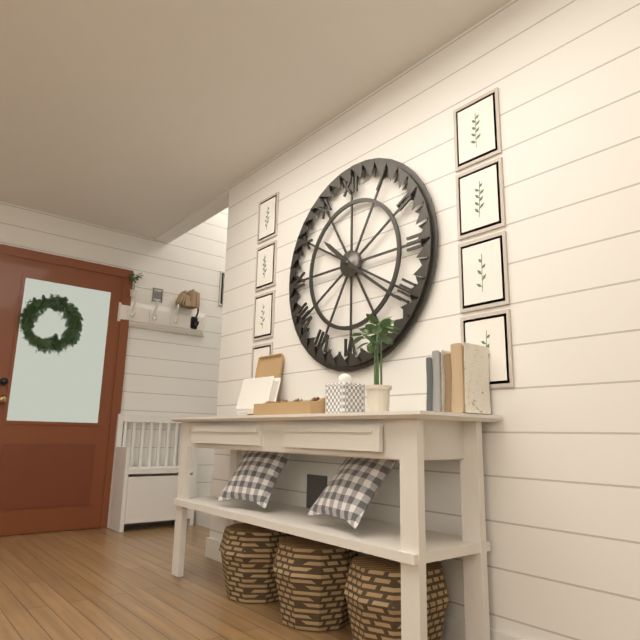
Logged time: 10,21
